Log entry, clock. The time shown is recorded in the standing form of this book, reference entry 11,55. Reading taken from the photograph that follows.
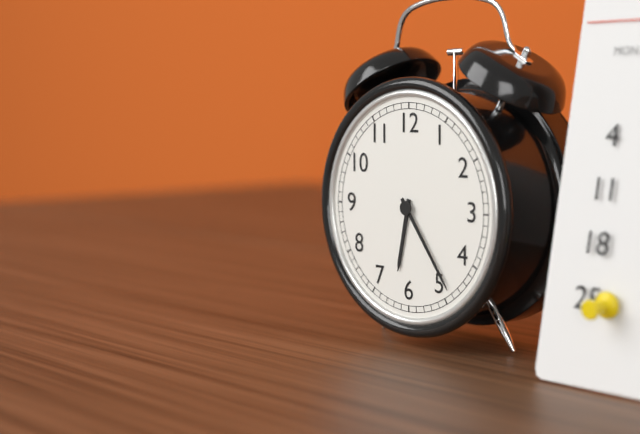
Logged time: 6,24
